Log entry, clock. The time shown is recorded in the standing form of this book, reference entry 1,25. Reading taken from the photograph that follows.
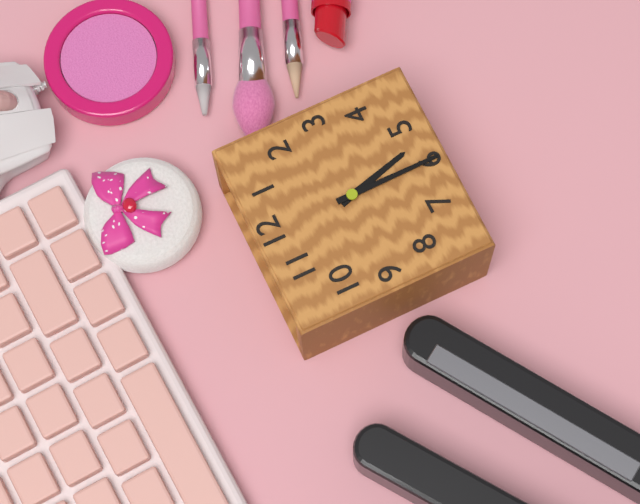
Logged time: 5,30
